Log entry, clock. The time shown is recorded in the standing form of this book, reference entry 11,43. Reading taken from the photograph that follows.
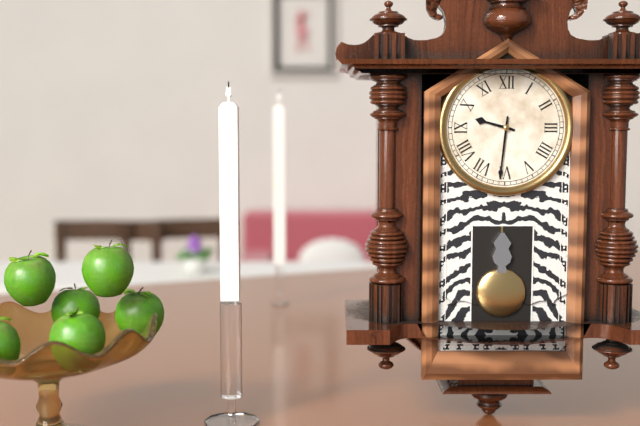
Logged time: 9,31
